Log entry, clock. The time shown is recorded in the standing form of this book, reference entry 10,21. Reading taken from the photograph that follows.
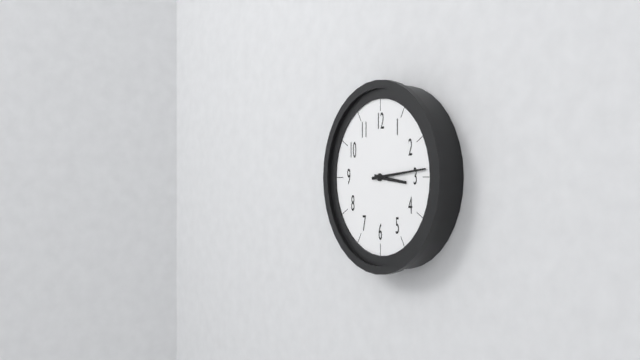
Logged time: 3,14
